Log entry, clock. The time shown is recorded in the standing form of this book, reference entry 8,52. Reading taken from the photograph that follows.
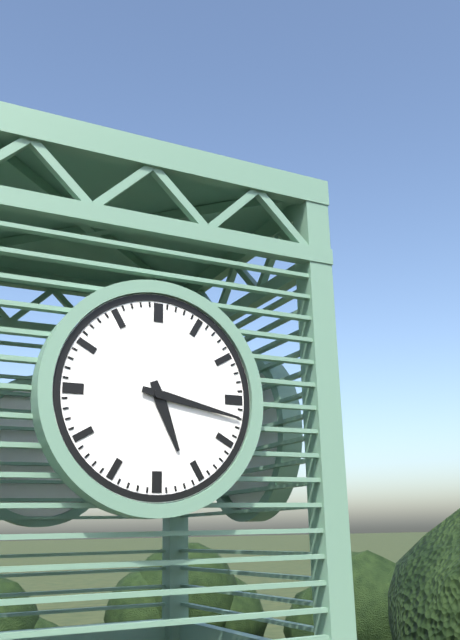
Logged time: 5,17
